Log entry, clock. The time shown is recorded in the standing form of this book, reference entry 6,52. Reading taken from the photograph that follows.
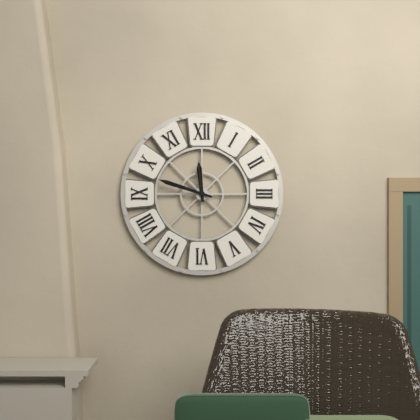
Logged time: 11,48
